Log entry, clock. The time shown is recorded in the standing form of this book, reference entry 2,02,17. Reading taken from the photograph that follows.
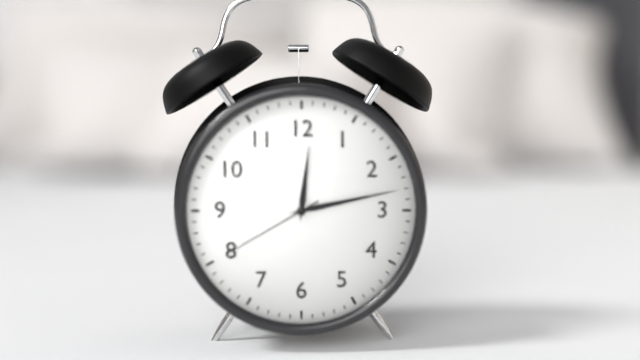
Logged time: 12,13,40
